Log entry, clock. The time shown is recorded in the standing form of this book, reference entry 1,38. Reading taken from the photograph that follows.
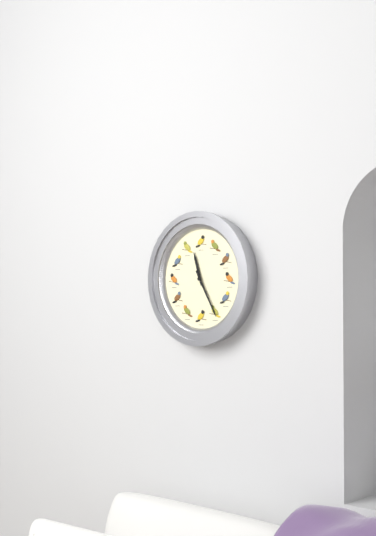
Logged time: 11,25
